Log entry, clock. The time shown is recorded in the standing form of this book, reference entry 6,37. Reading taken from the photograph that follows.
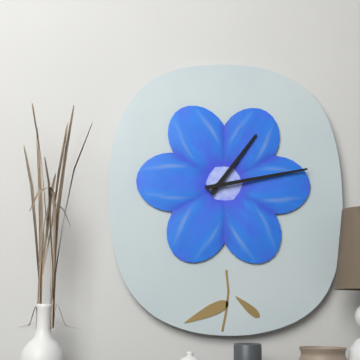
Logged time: 1,13
